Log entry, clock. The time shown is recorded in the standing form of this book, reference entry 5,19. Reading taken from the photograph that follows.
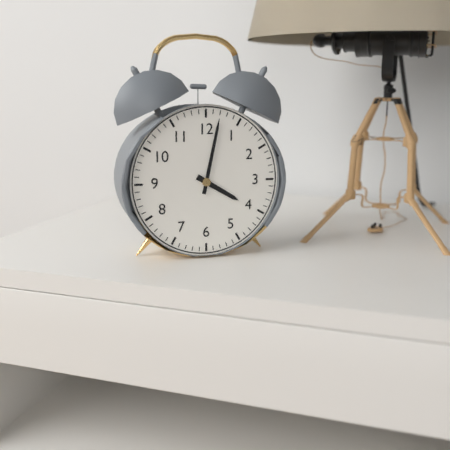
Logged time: 4,02
